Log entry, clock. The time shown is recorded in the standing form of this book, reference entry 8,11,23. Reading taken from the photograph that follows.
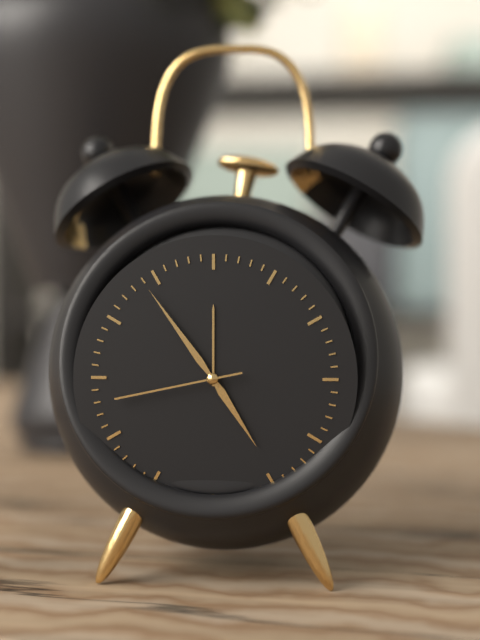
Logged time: 4,54,43
